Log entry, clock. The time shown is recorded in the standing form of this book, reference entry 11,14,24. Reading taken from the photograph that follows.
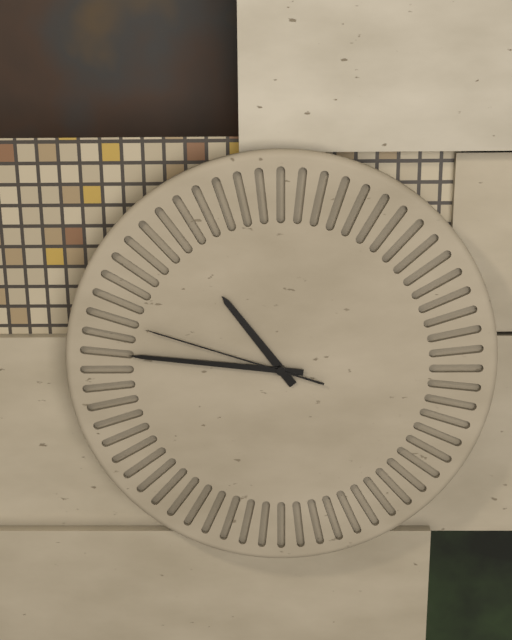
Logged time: 10,46,48
